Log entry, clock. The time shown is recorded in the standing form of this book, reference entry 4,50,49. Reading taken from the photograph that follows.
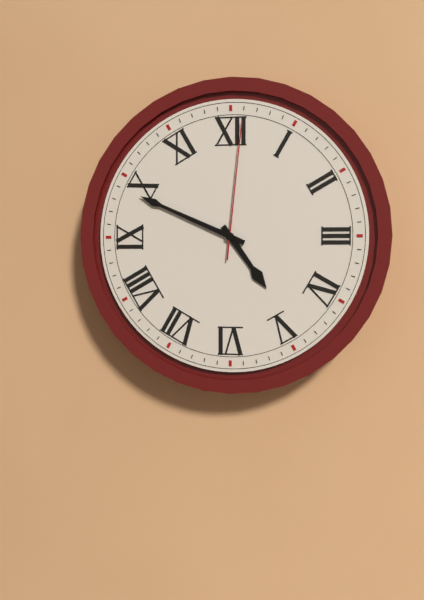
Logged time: 4,49,01
